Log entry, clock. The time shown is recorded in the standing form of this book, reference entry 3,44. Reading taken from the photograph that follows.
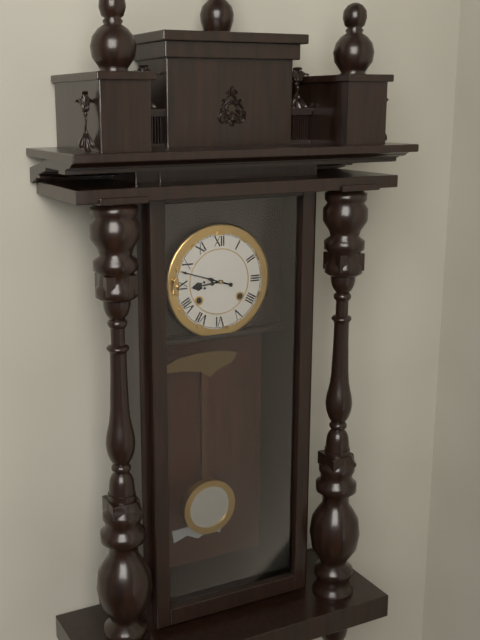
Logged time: 8,48
